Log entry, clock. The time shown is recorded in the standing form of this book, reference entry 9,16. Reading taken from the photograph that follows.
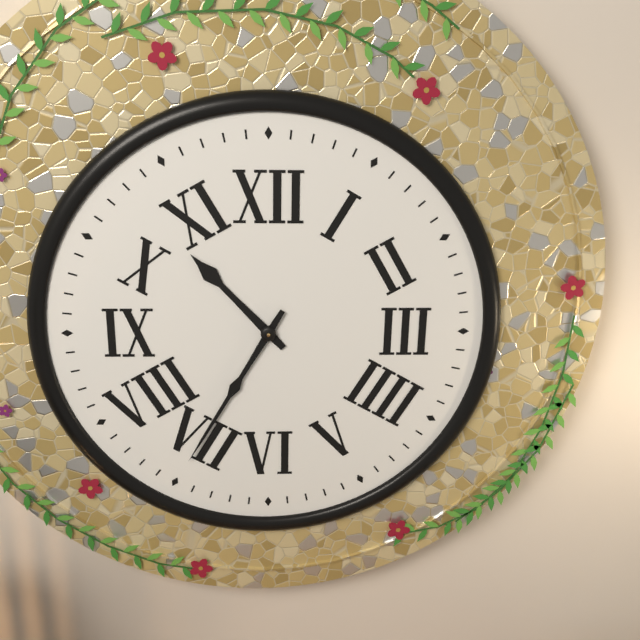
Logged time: 10,35
